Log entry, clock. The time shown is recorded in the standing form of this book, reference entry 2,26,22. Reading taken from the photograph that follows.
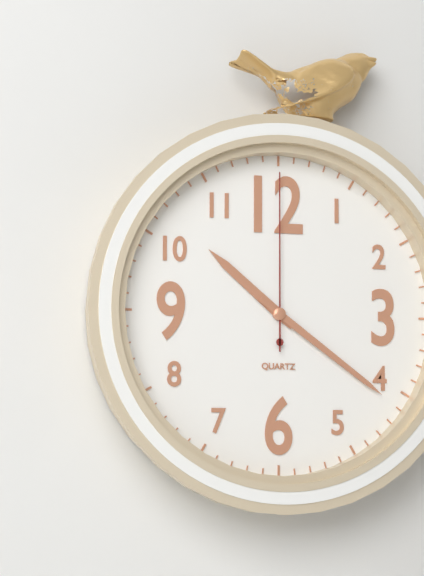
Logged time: 10,21,00
